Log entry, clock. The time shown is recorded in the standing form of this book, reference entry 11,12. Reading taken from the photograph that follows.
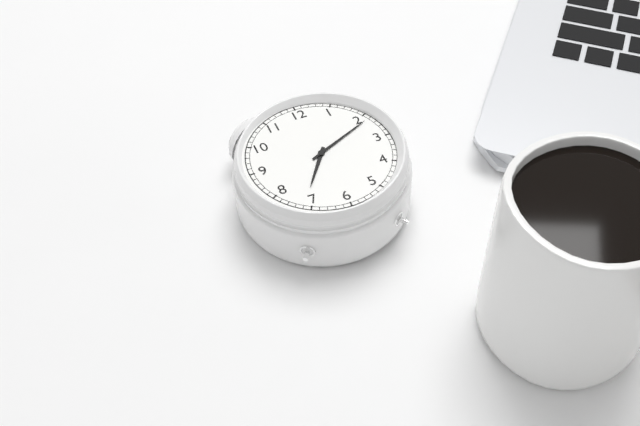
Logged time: 7,11
